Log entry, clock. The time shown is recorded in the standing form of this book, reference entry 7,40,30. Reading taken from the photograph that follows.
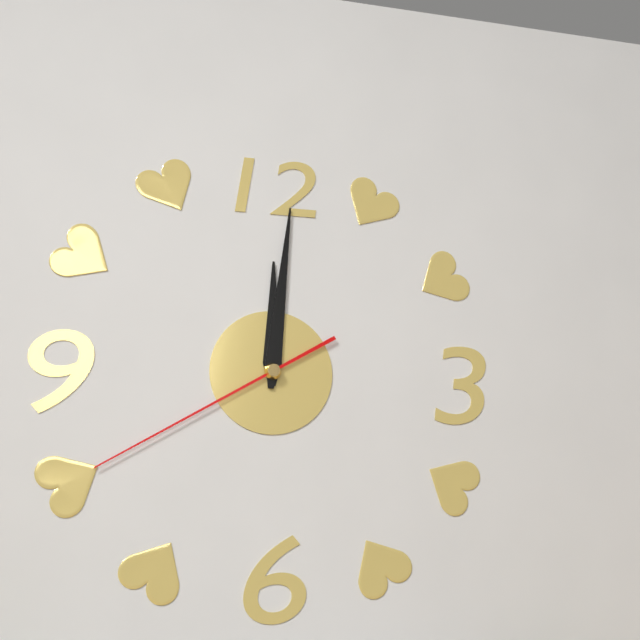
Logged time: 12,01,40
